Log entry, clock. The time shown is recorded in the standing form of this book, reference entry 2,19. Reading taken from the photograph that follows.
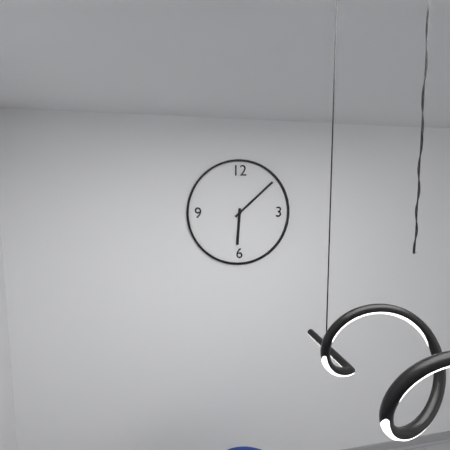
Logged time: 6,08
